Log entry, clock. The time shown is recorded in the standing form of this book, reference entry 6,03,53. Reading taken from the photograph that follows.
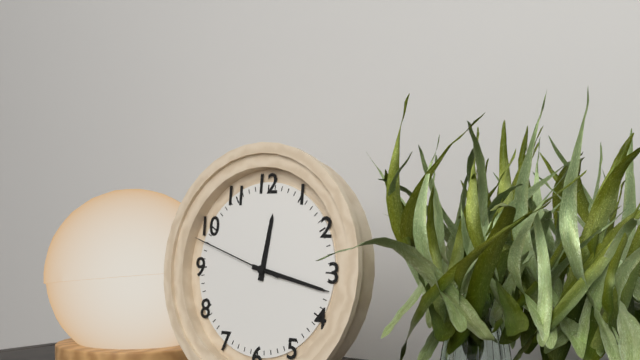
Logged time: 12,17,48
